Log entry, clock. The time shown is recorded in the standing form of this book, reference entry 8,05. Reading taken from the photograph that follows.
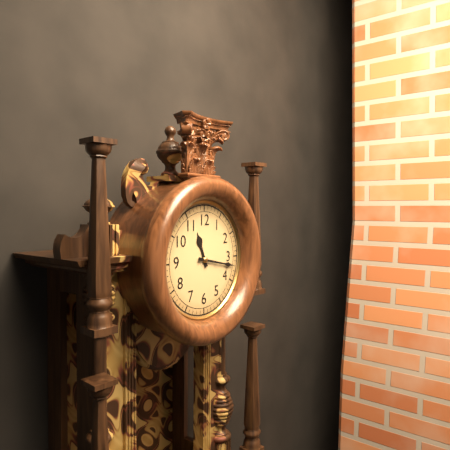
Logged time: 11,17
